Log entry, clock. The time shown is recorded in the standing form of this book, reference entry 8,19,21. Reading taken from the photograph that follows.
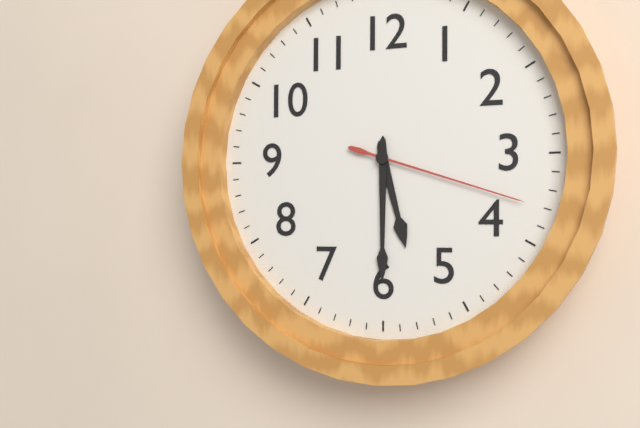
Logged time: 5,30,18
